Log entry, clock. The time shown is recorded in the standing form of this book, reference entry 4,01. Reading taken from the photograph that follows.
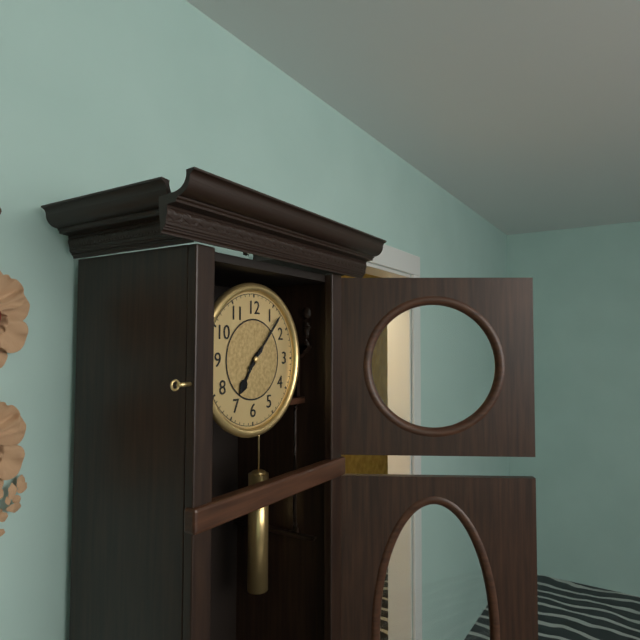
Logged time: 7,07
